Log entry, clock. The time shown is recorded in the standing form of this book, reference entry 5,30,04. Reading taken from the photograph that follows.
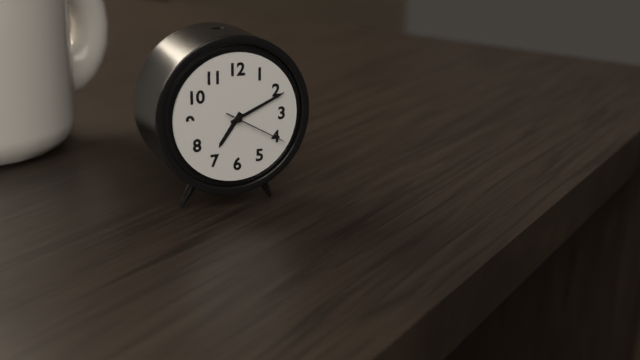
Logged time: 7,11,20
